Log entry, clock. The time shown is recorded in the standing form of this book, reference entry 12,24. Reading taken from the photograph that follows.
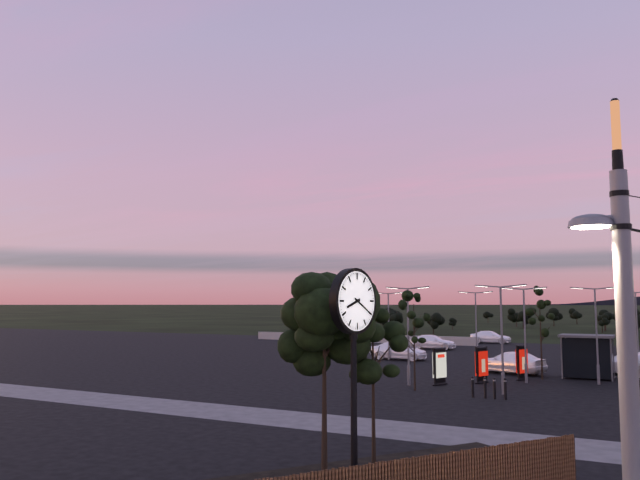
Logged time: 8,20
